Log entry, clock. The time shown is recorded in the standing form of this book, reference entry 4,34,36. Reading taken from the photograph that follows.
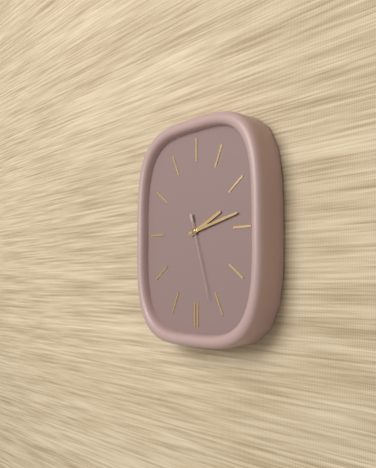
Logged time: 2,13,27
